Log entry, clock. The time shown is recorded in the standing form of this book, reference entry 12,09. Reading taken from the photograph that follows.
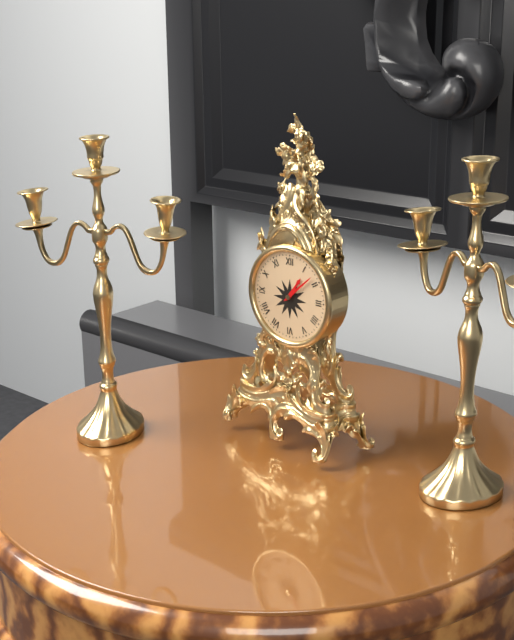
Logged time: 1,08
